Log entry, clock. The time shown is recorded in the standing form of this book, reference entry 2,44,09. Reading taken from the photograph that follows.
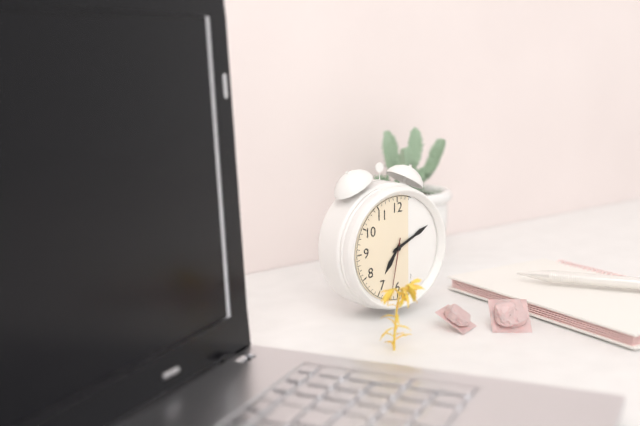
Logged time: 7,11,32
